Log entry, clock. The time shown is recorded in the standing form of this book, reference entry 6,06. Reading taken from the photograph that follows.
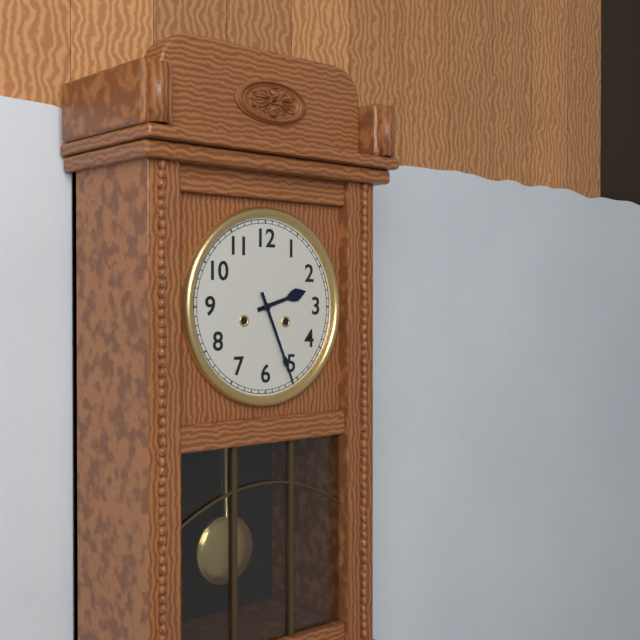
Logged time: 2,26
